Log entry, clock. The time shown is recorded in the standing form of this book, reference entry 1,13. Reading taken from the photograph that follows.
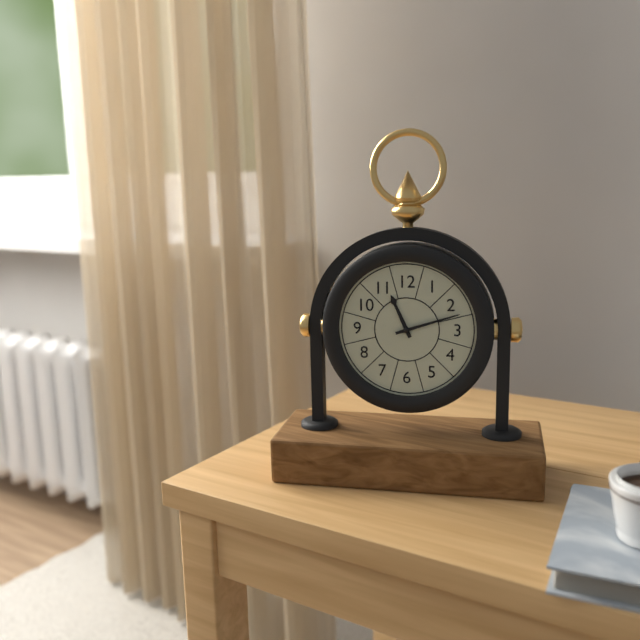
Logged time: 11,12
